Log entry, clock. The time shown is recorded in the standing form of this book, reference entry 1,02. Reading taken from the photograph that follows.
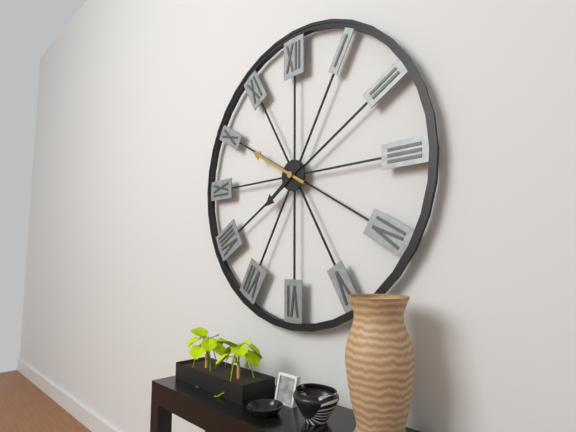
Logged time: 7,50
